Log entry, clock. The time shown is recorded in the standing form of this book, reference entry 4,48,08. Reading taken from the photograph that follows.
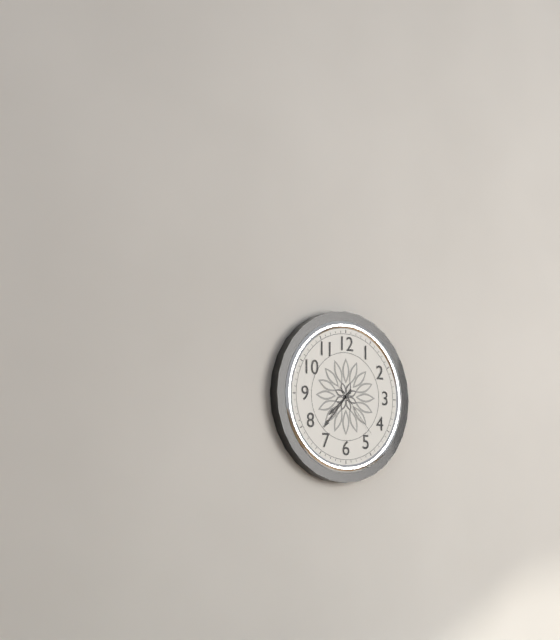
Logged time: 7,37,23
